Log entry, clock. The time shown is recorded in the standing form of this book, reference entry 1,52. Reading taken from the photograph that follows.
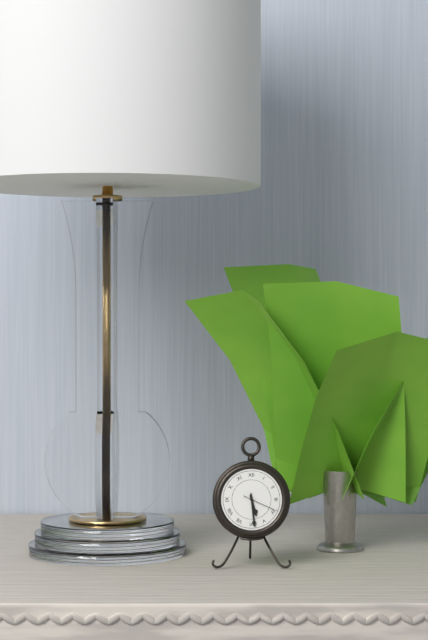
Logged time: 5,29
